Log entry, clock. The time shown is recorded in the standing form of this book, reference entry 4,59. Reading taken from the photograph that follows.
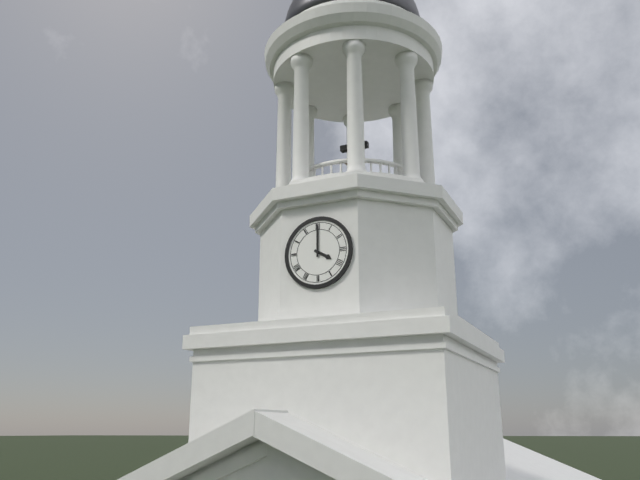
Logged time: 4,00
